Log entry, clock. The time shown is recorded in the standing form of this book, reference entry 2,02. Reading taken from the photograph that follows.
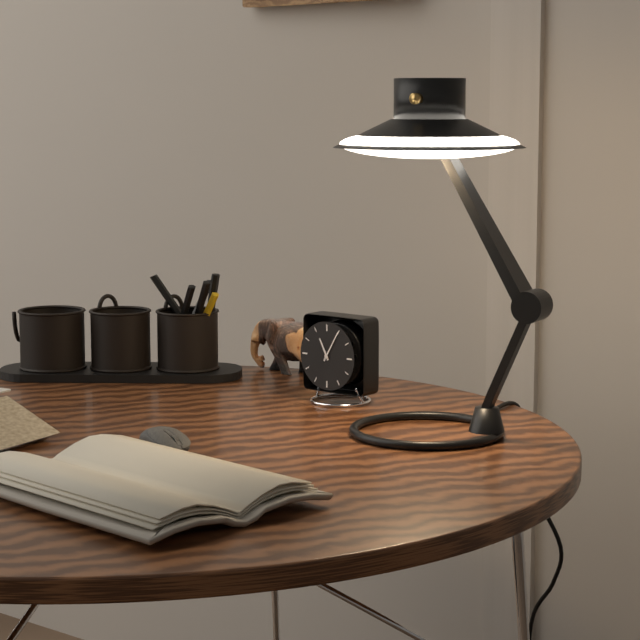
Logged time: 11,05
